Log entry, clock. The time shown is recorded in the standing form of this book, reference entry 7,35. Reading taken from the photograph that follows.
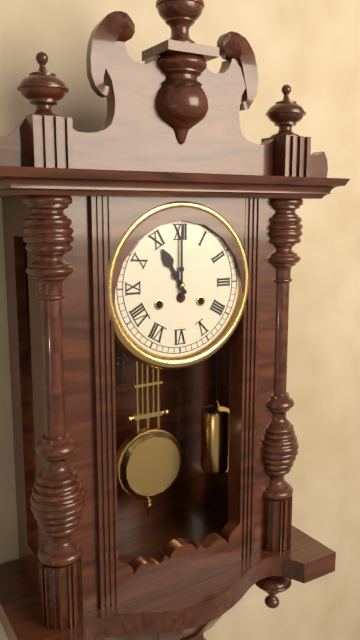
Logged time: 11,00
